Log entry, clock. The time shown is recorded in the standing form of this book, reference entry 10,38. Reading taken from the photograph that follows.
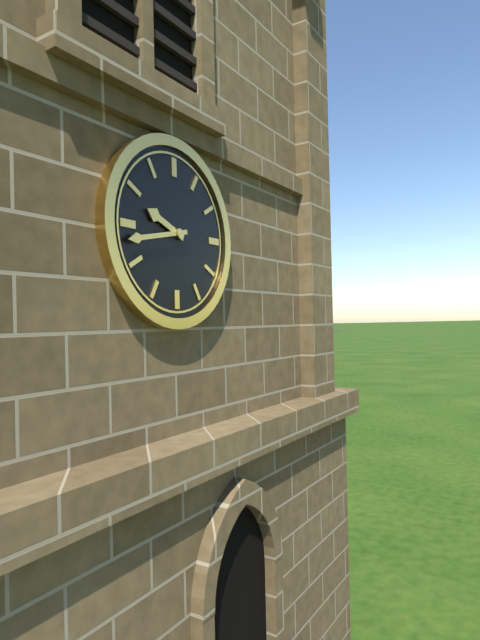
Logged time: 9,43
